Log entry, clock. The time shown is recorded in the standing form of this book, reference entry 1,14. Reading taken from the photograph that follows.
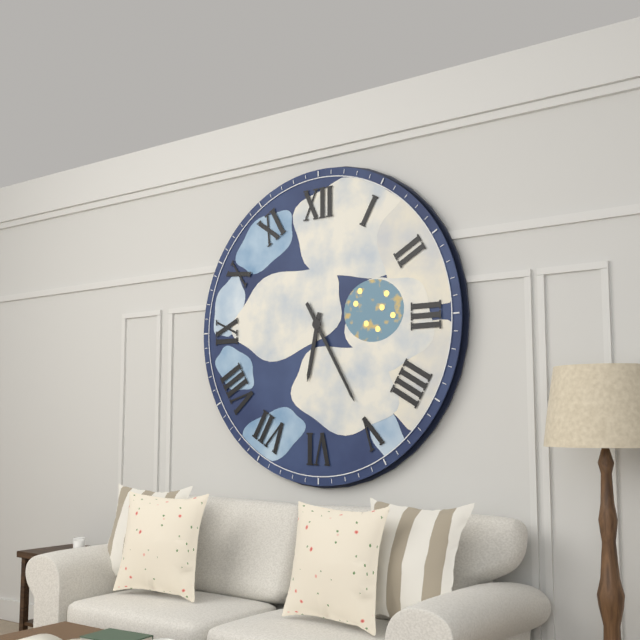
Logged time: 6,25
